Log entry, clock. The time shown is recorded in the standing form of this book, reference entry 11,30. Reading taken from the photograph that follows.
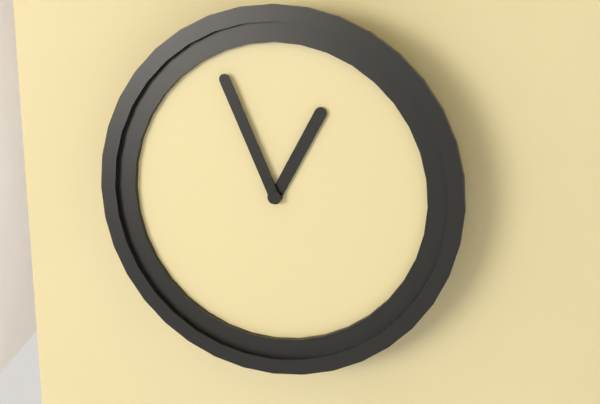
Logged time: 12,56
